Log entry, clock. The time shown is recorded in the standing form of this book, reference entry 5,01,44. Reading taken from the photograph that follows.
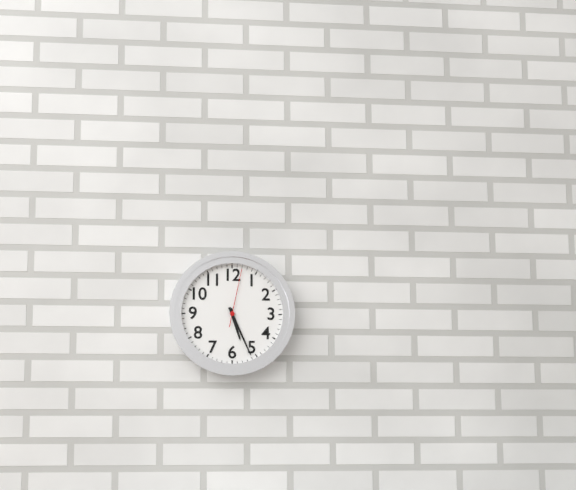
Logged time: 5,26,02
